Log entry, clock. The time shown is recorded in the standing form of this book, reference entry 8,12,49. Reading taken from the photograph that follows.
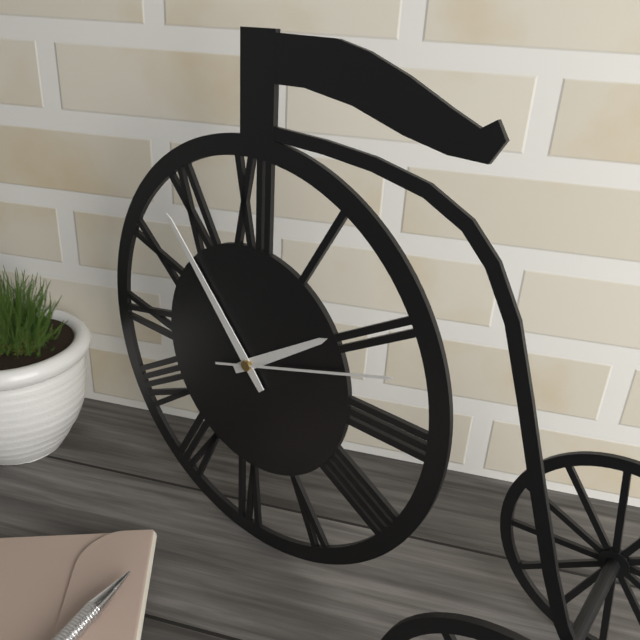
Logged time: 1,53,12
